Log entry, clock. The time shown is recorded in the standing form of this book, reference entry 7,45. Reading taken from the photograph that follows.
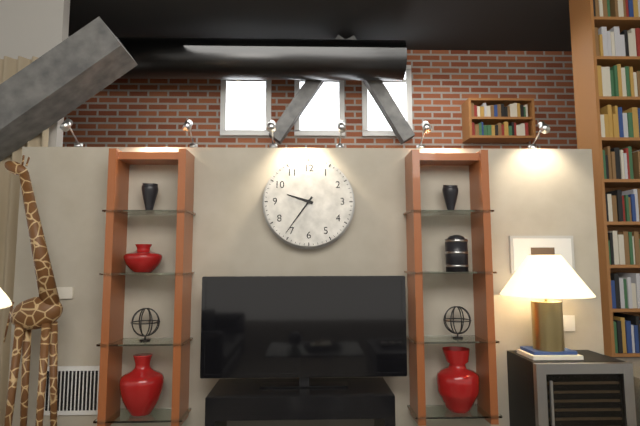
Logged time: 9,36
